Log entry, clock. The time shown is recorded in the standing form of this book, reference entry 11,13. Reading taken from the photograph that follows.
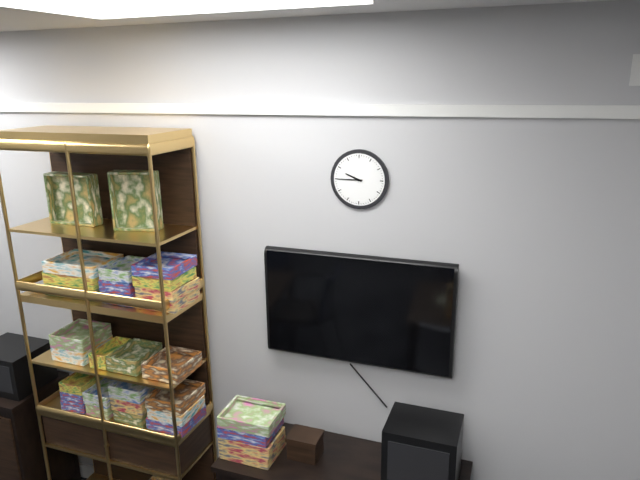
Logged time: 9,45
